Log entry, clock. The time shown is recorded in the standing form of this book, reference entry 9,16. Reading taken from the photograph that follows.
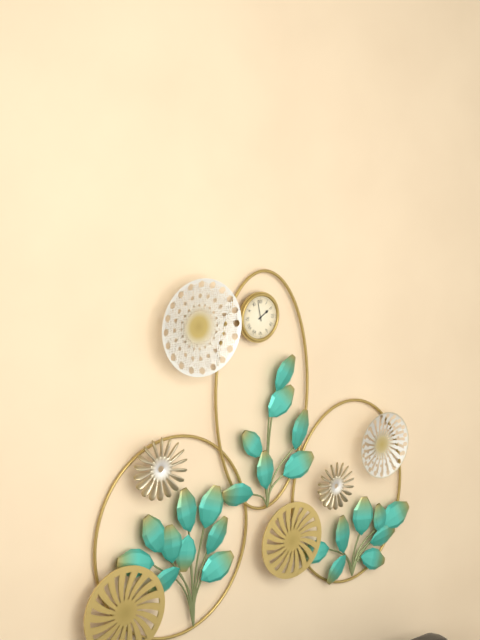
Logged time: 1,58
